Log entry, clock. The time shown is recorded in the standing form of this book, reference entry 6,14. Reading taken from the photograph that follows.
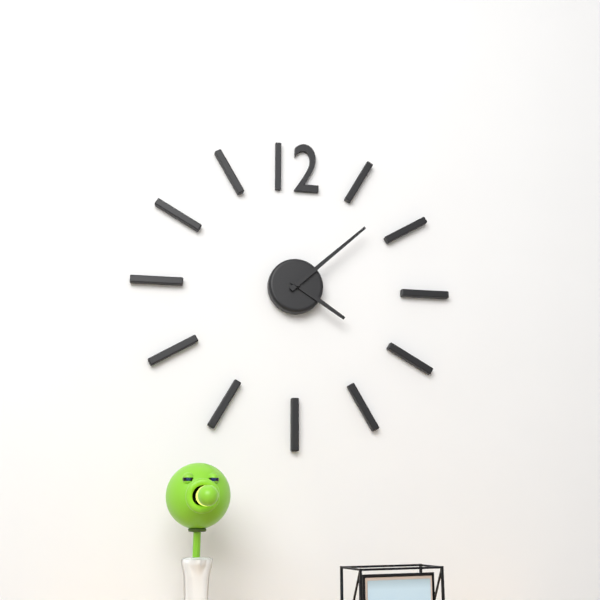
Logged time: 4,08
